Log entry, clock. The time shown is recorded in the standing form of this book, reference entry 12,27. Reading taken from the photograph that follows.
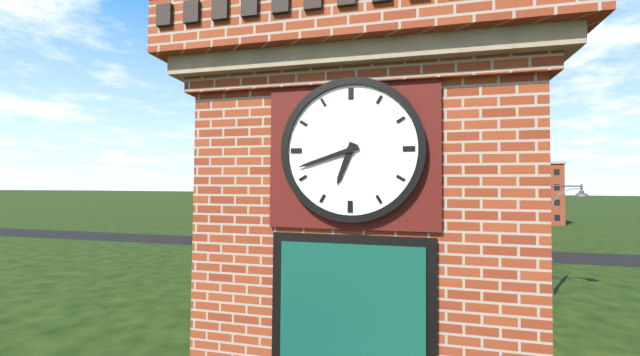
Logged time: 6,42
